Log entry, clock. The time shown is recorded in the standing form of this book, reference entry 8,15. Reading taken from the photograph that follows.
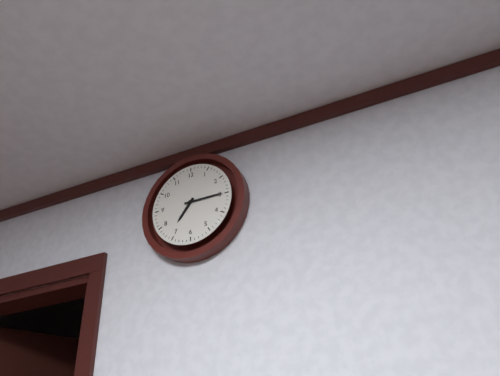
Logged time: 7,15
